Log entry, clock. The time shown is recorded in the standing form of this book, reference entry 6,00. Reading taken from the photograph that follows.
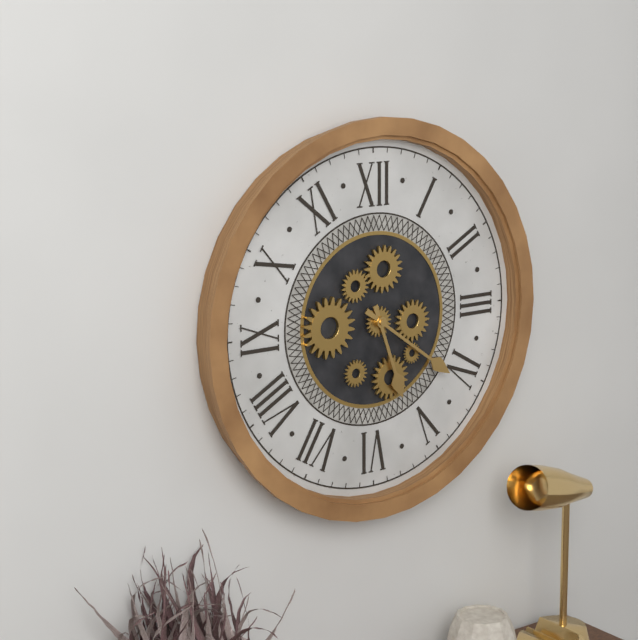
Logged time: 5,21
